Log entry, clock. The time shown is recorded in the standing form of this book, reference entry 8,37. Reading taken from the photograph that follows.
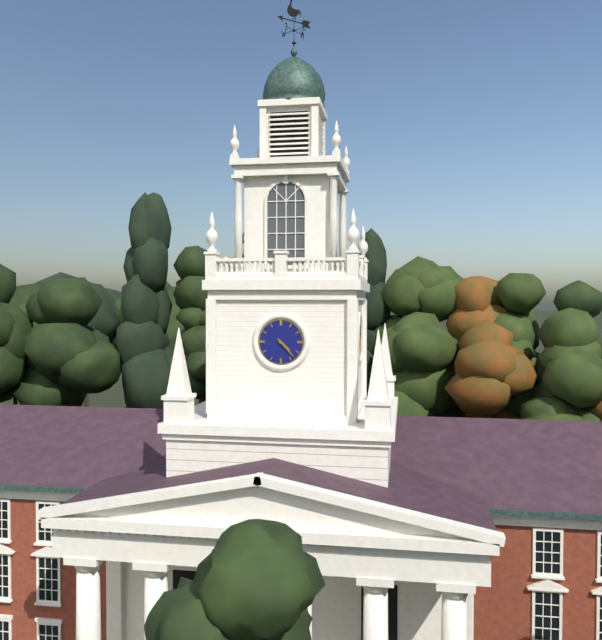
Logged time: 4,23
